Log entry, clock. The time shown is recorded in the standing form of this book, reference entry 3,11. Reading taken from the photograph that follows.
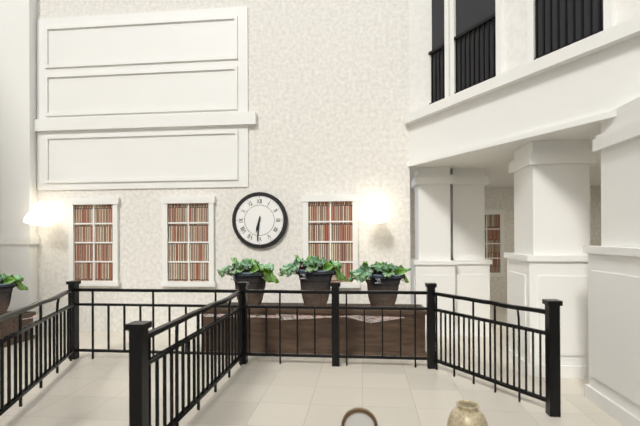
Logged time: 6,31
